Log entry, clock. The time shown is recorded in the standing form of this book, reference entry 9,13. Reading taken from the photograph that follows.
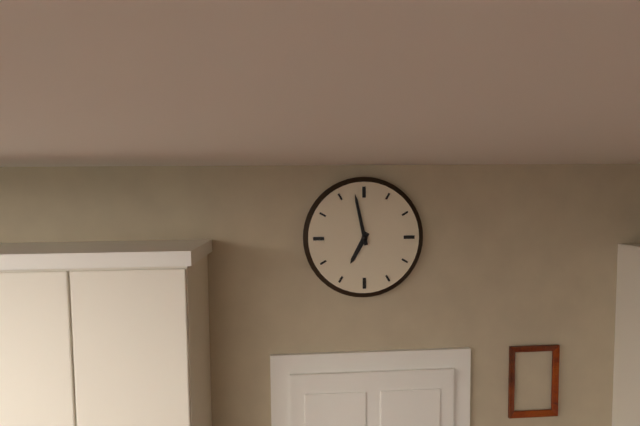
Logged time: 6,58
